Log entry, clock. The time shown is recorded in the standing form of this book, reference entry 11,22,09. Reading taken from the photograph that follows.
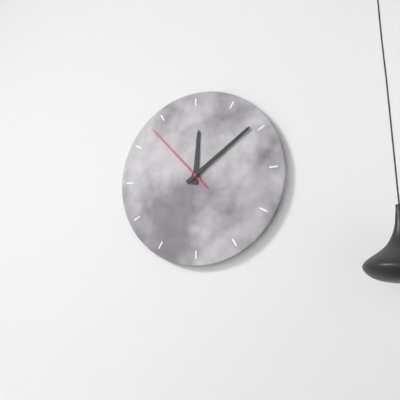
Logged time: 12,09,53
